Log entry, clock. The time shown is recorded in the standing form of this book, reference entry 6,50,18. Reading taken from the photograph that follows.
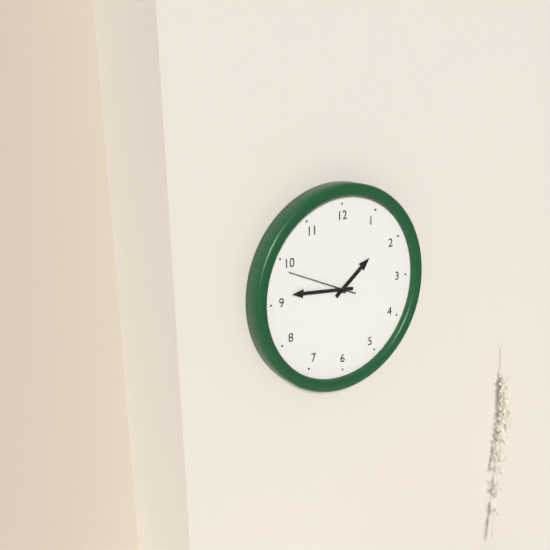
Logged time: 1,46,49
